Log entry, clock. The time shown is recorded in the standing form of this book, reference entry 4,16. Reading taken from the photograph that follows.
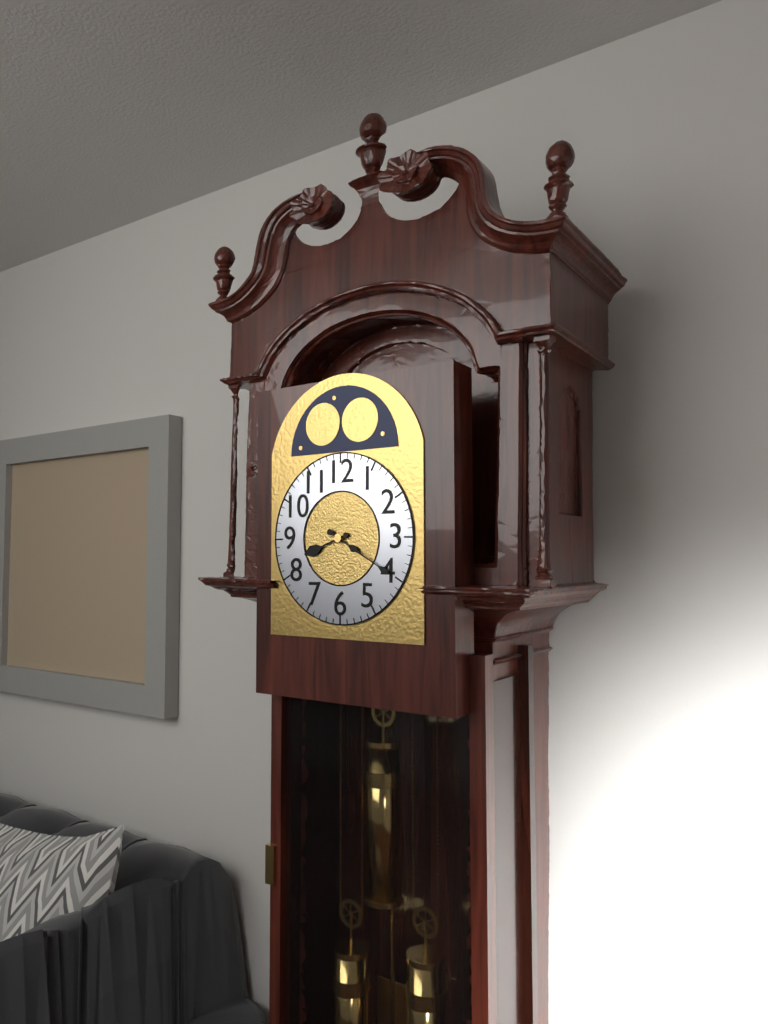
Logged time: 8,20
